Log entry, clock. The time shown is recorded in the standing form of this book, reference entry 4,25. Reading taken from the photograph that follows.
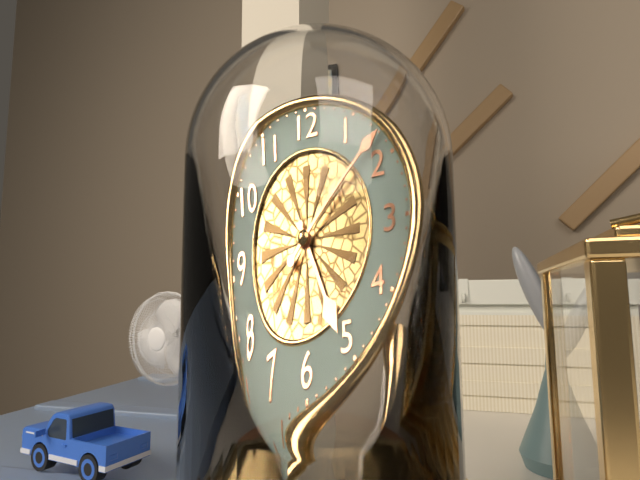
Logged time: 5,08
